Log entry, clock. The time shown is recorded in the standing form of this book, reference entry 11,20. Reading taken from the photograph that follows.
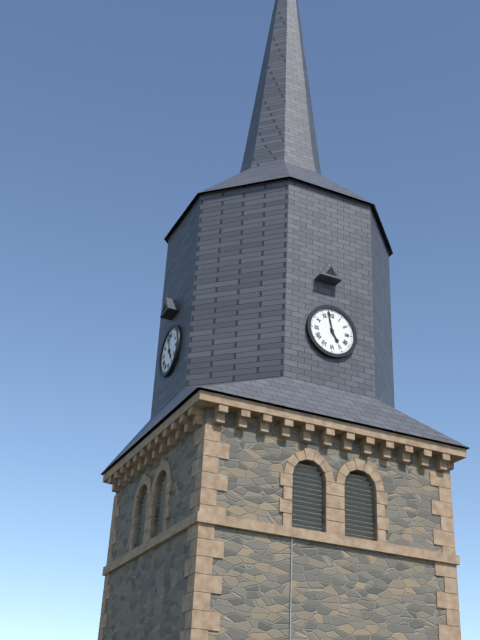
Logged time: 4,58
